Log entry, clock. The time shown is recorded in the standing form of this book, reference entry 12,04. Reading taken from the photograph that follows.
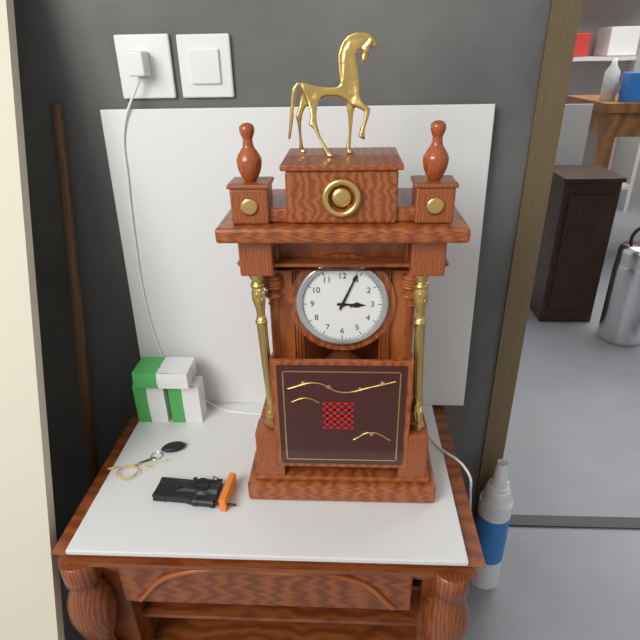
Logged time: 3,04
